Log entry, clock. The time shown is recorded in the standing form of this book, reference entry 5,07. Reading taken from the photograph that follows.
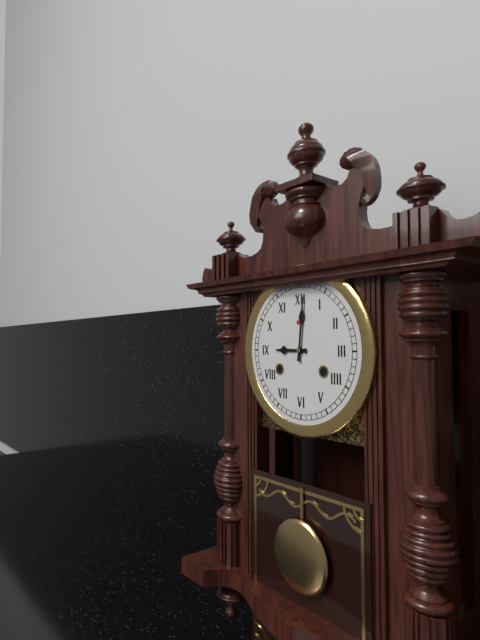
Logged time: 9,01
